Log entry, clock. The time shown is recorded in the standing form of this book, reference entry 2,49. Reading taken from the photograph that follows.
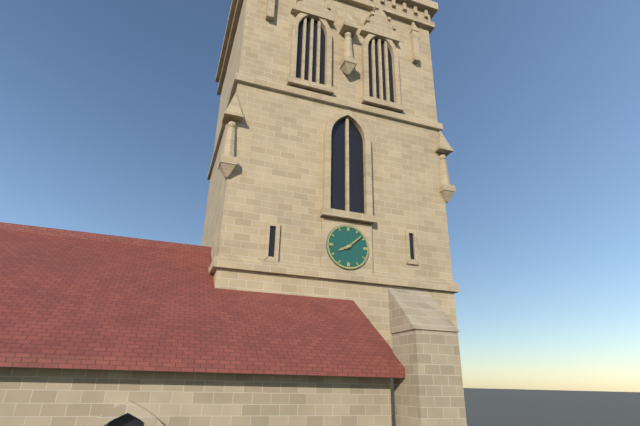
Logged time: 8,08
